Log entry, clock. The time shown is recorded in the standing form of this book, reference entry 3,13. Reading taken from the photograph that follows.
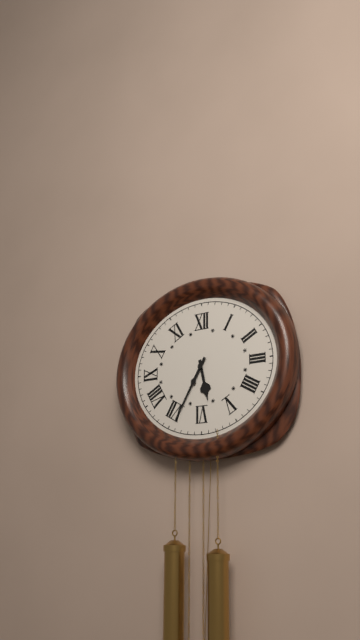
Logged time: 5,35
